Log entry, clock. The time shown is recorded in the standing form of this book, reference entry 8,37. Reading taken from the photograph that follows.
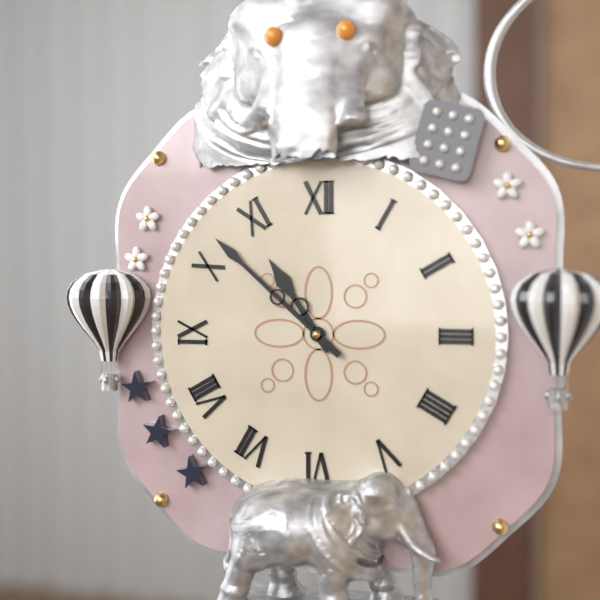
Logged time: 10,52
